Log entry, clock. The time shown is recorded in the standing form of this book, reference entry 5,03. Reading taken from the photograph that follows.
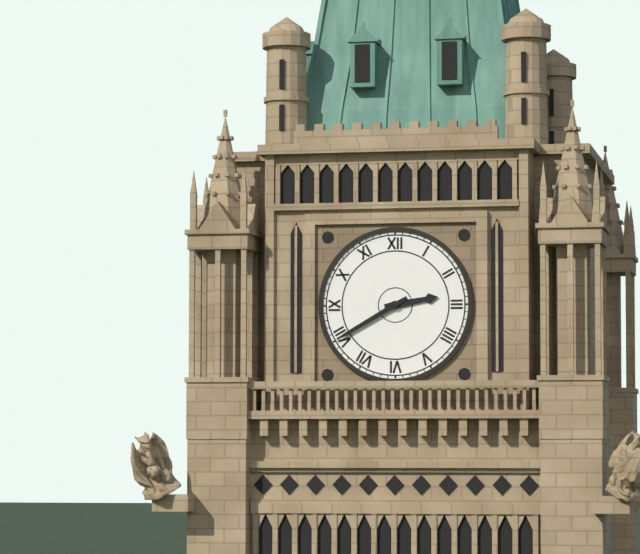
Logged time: 2,40
